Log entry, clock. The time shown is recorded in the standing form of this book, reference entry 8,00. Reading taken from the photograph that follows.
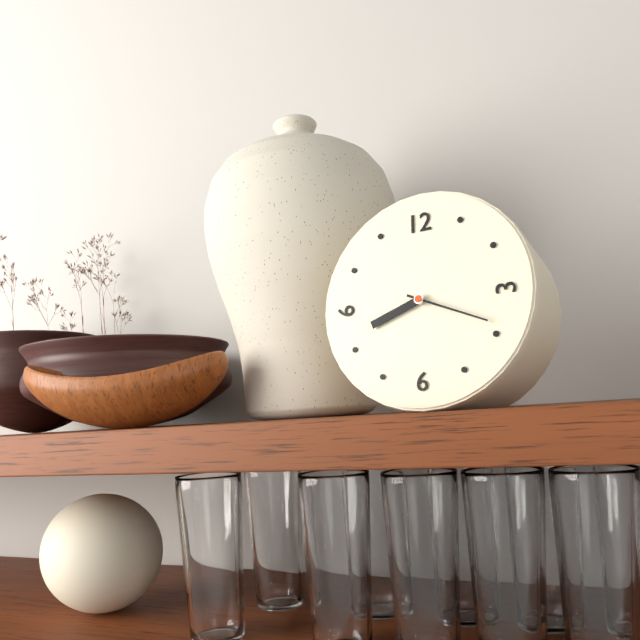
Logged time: 8,19
